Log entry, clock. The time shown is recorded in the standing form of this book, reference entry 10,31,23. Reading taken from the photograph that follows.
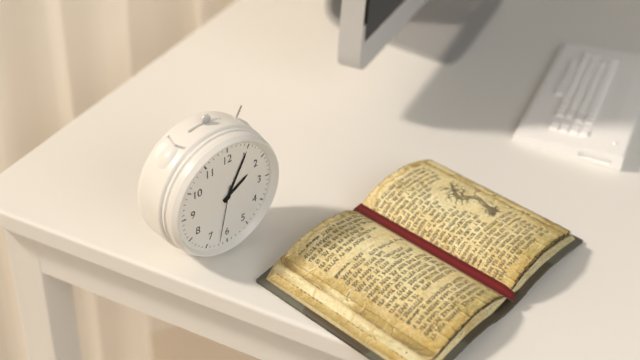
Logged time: 2,05,32
